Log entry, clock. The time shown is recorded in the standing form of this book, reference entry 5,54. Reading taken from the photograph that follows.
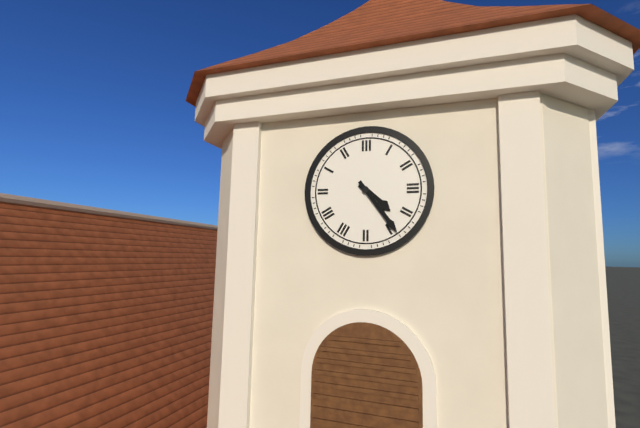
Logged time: 4,24
